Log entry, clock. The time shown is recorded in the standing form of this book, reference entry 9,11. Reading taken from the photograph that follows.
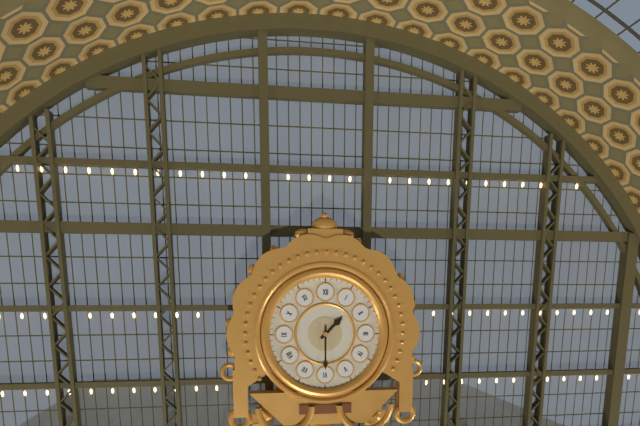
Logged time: 1,30
